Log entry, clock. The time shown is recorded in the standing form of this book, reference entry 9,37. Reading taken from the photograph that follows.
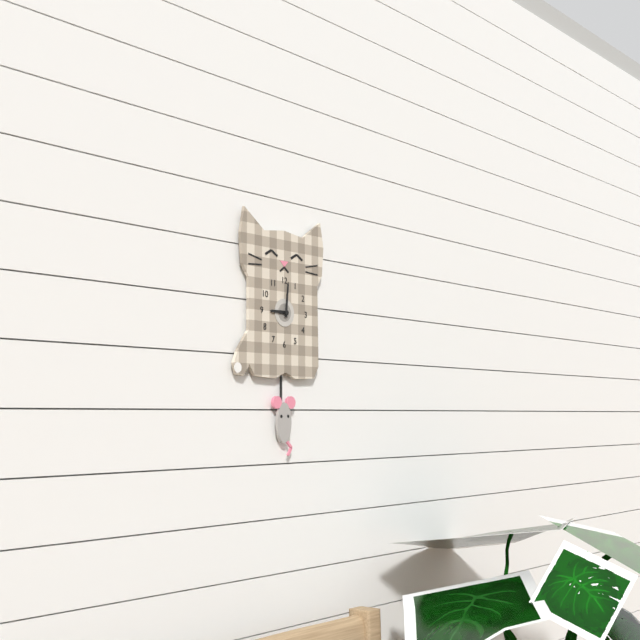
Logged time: 9,01
